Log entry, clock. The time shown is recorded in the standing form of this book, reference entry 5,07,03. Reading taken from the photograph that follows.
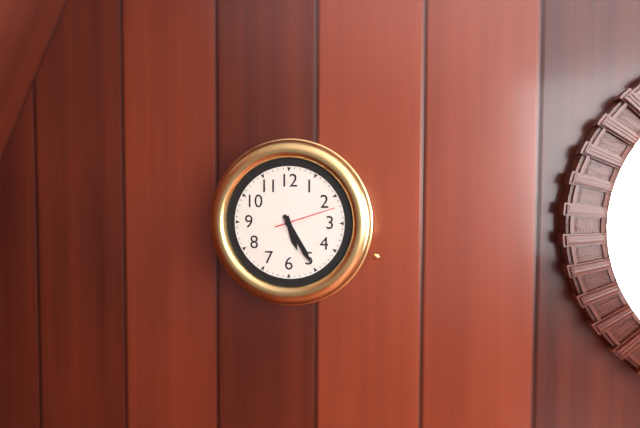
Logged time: 5,25,12
